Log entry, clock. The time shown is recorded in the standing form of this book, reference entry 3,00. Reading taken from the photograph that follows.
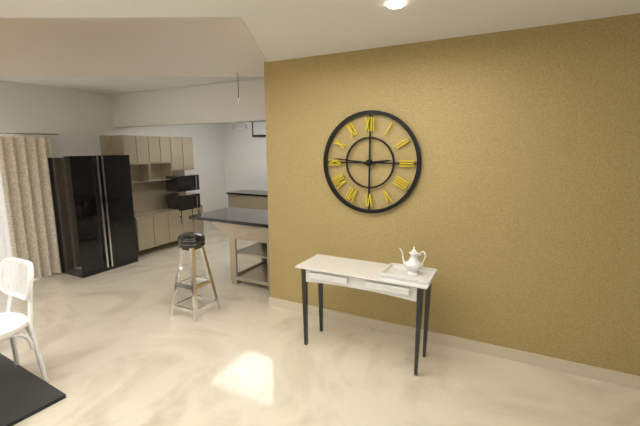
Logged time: 2,46
